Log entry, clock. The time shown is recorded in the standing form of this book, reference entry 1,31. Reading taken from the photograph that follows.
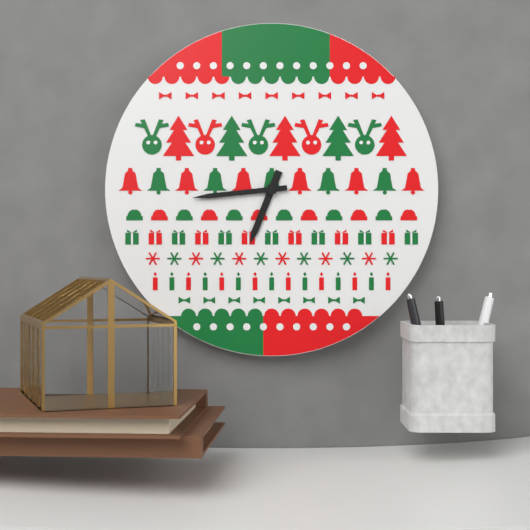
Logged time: 6,44
